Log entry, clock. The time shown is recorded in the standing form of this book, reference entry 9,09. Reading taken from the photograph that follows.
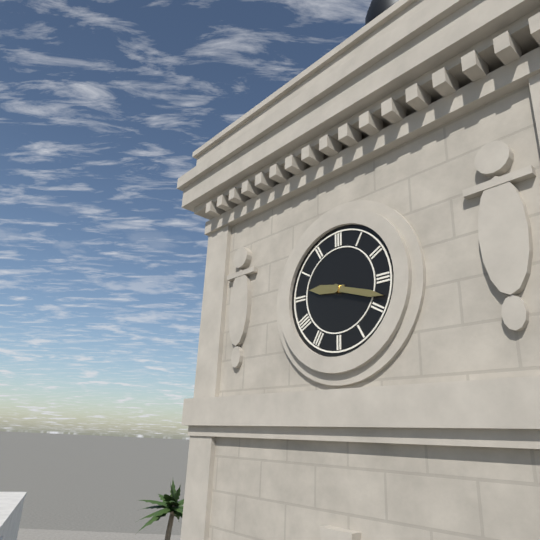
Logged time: 9,18
